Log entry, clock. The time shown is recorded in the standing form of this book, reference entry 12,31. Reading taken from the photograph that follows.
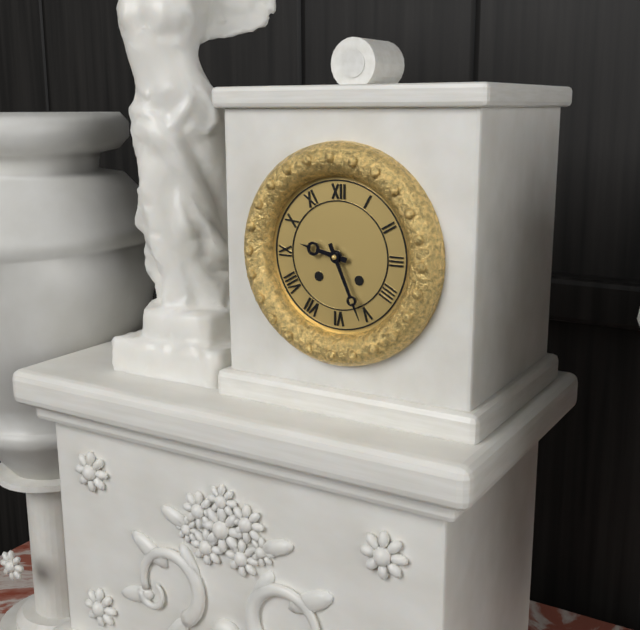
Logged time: 9,26
